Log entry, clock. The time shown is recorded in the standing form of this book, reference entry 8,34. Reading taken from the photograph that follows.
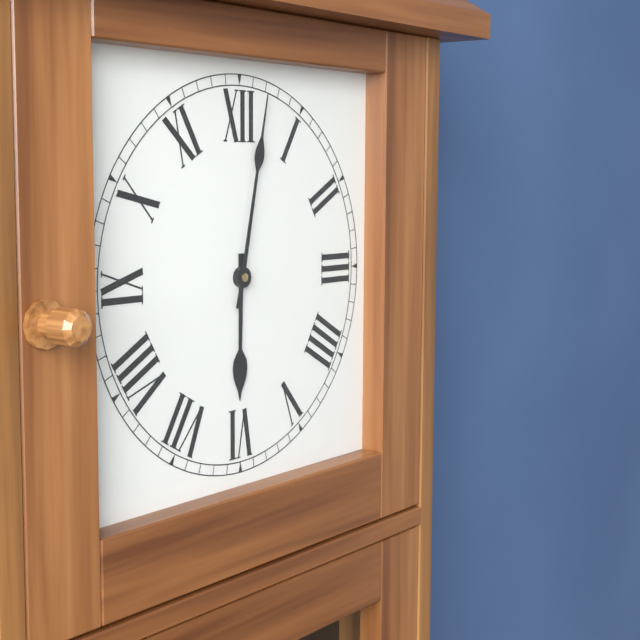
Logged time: 6,02
